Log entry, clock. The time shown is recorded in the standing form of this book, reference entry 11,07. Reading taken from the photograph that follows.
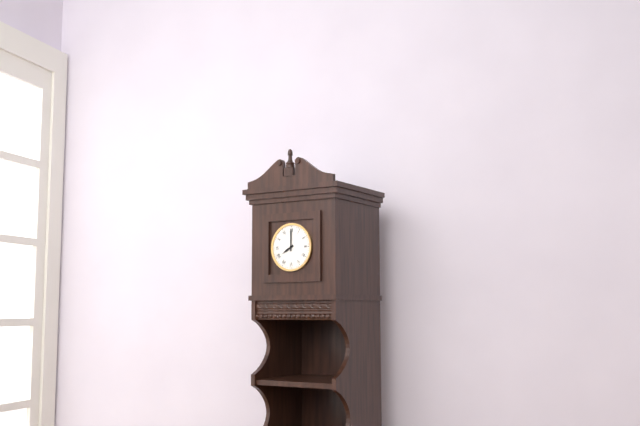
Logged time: 8,00
